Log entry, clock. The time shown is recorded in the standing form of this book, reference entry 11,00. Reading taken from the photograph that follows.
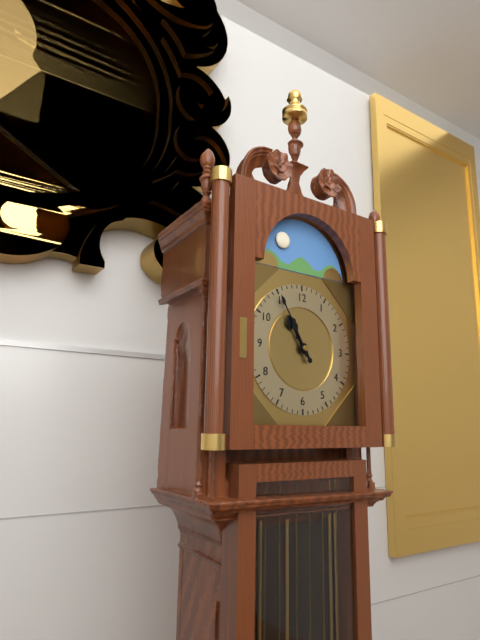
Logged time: 10,55
